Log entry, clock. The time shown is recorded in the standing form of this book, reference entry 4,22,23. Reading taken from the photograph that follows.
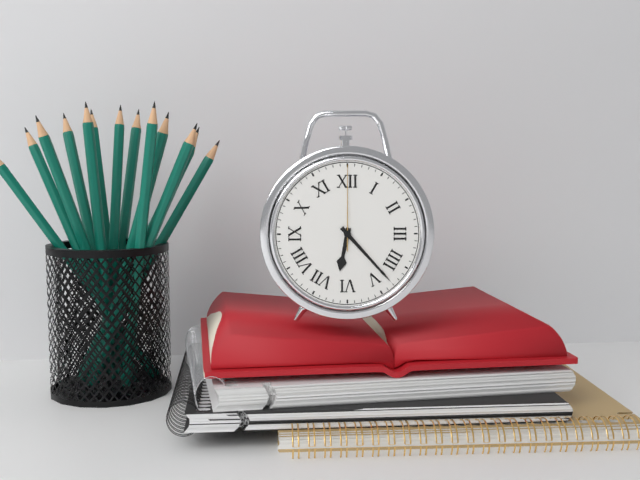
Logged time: 6,23,00
